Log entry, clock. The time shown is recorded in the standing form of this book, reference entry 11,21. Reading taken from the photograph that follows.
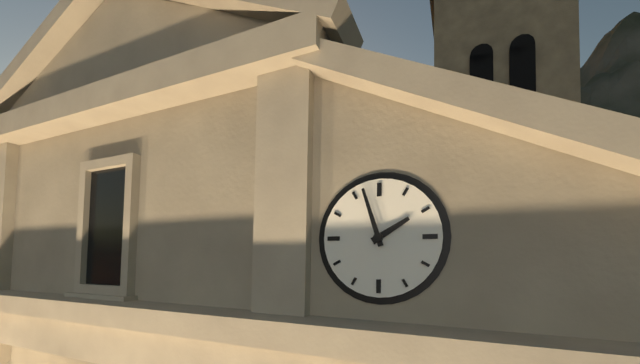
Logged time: 1,57
